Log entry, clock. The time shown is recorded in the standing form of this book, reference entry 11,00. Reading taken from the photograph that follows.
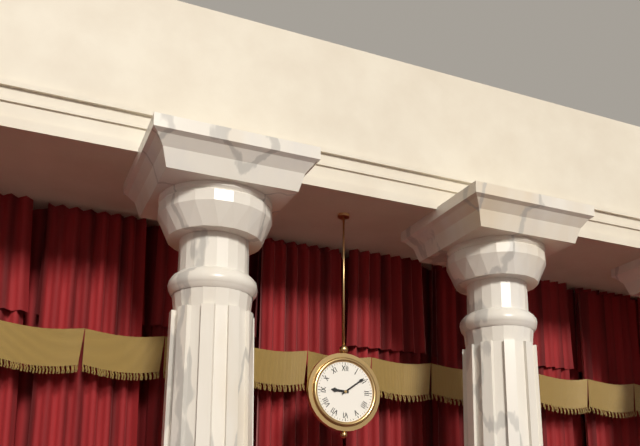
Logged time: 9,09
